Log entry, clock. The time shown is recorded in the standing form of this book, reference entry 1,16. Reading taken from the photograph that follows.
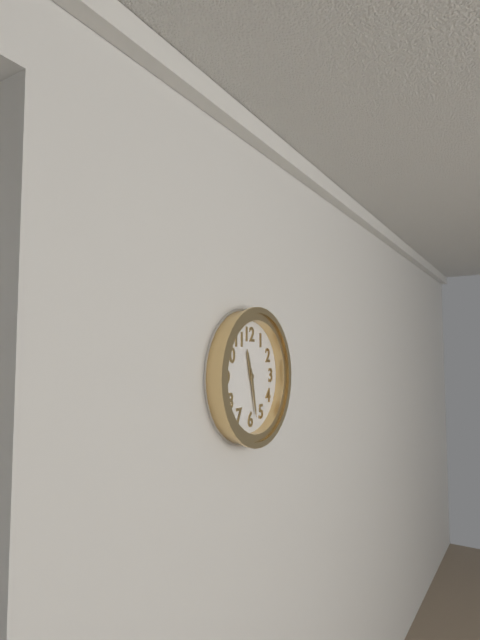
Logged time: 11,28
